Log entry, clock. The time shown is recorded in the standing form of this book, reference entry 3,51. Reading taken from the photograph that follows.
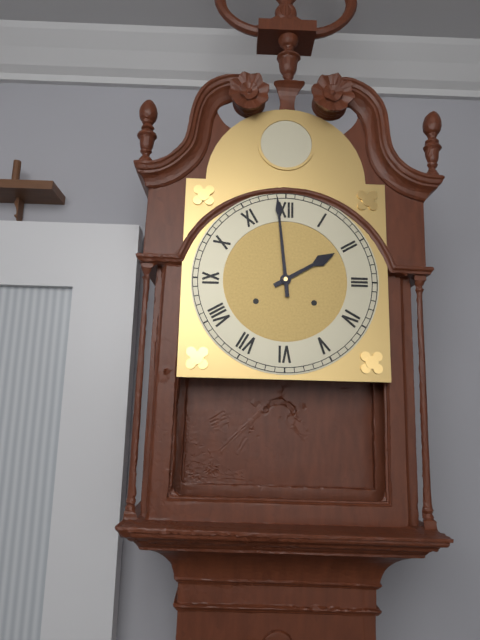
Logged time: 1,59
